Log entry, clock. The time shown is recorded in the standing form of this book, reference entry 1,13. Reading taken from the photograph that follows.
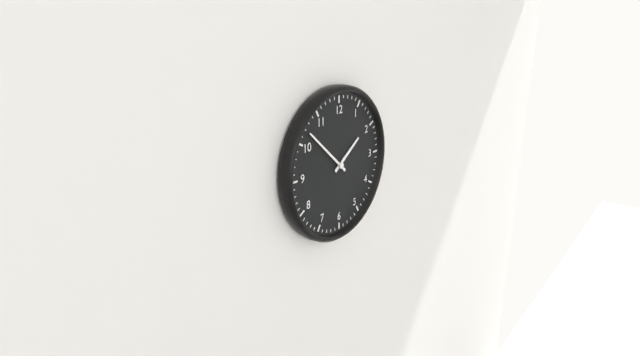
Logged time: 1,52
